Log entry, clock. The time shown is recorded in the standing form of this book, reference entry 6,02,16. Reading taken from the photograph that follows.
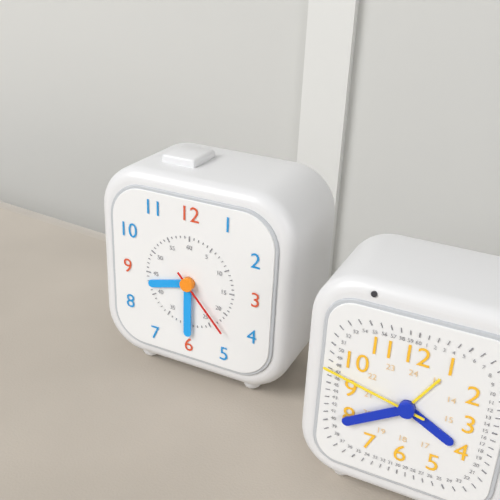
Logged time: 8,30,23
